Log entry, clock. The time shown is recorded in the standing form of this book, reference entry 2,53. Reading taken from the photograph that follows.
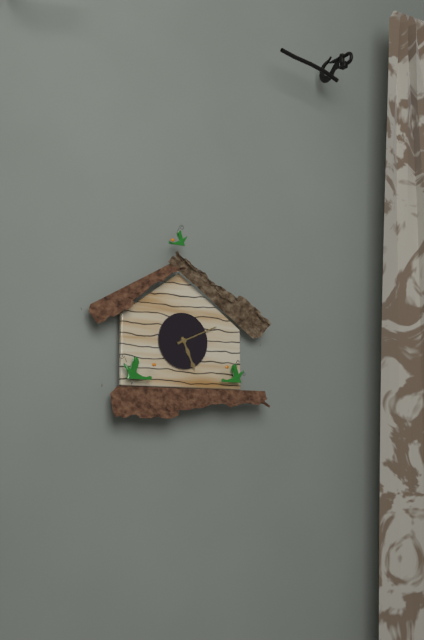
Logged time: 5,11
